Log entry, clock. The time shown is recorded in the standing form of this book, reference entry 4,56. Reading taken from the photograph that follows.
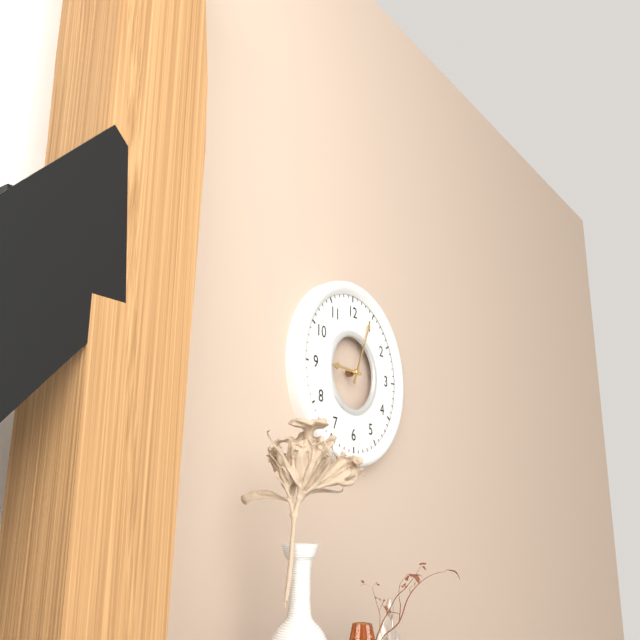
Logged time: 9,04
